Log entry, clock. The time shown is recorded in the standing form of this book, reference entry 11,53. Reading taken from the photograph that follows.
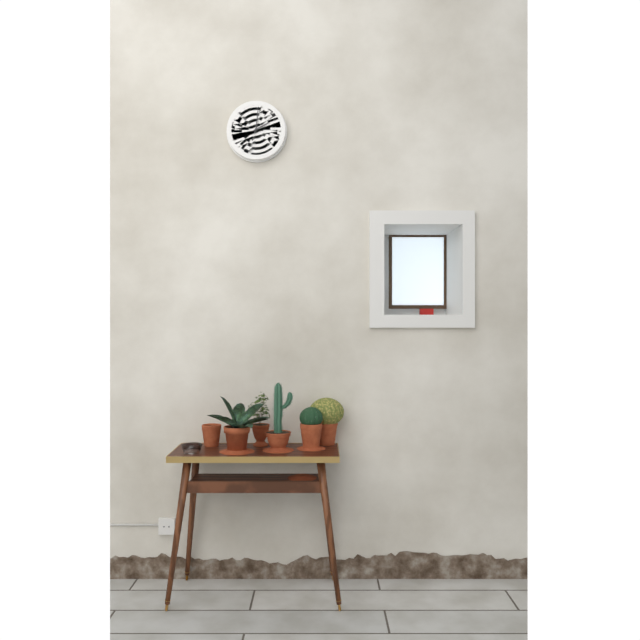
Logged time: 2,01
